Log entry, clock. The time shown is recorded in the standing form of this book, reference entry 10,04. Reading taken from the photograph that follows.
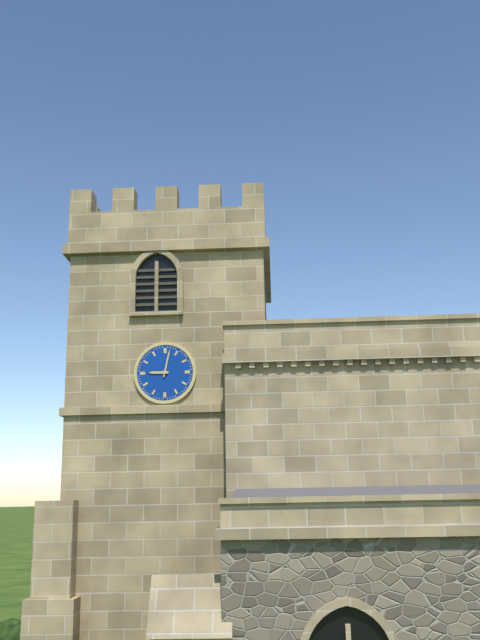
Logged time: 9,02
